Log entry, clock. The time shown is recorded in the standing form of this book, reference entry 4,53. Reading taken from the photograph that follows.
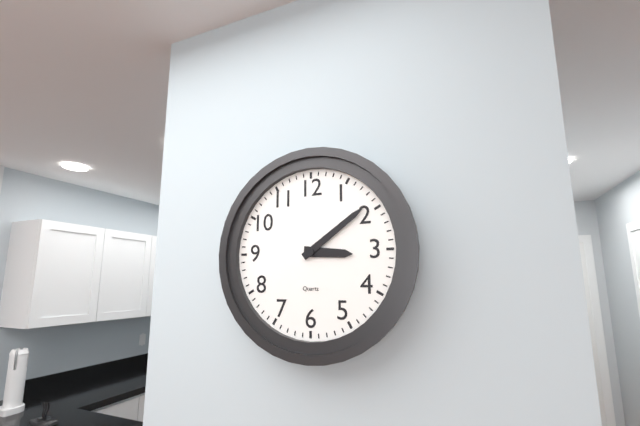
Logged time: 3,09
